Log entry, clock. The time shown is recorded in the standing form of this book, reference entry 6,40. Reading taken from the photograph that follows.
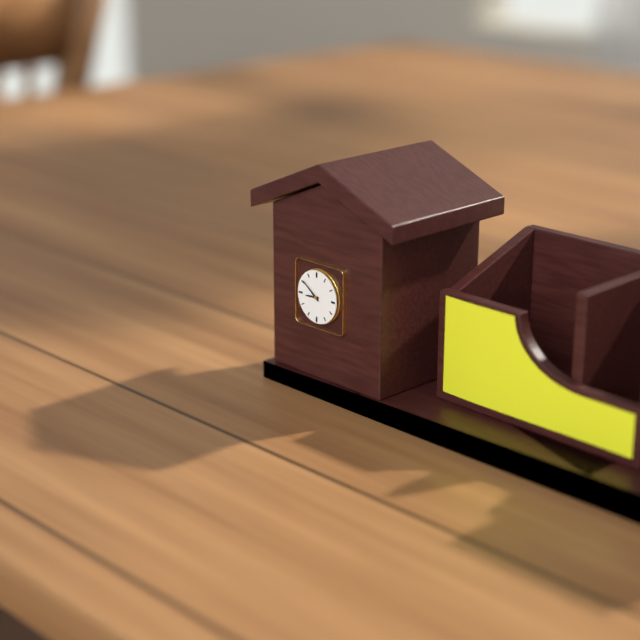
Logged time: 8,51
